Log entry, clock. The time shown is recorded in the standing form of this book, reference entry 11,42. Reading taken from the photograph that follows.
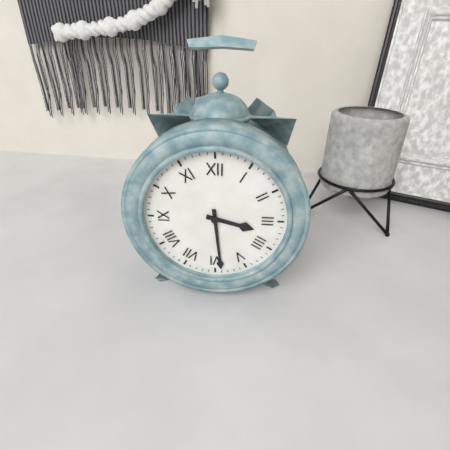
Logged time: 3,29
